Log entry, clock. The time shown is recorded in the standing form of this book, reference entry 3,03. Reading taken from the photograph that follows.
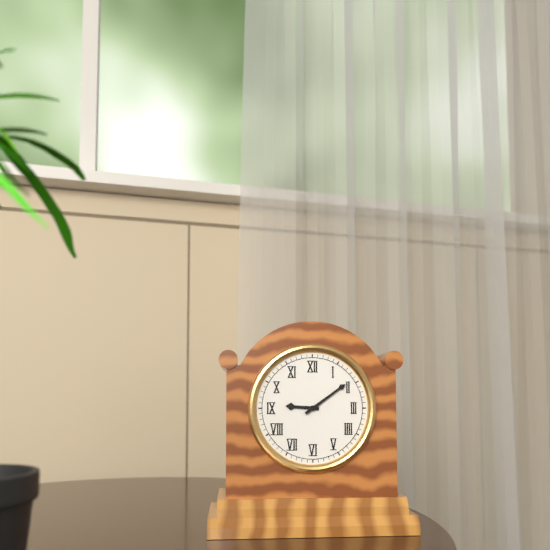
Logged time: 9,09
